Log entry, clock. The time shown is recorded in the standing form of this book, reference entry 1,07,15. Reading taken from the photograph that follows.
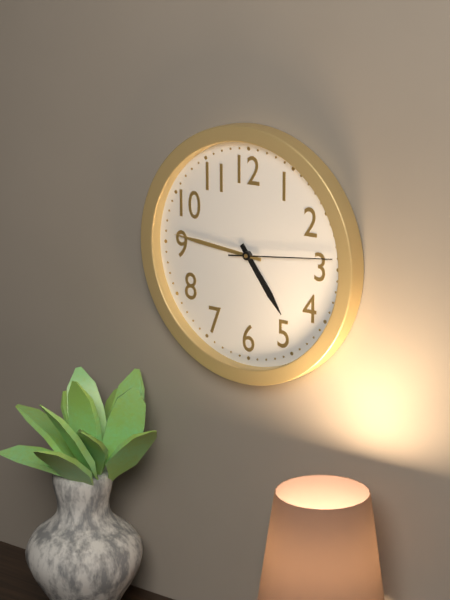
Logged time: 4,46,14
